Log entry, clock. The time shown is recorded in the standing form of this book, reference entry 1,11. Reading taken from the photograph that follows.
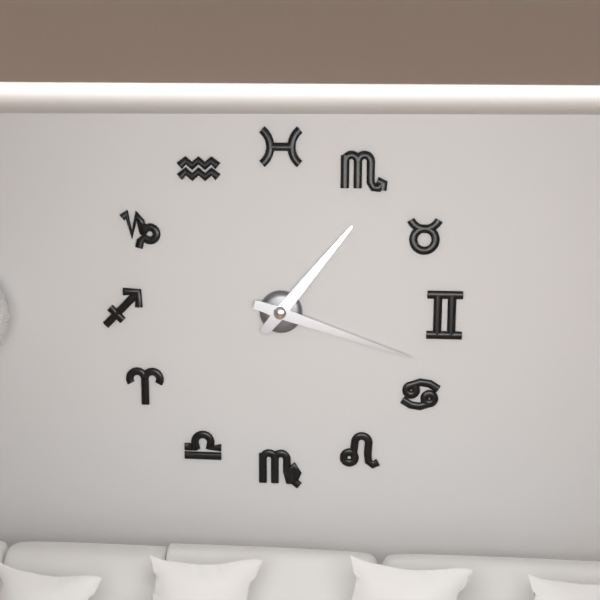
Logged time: 1,18
